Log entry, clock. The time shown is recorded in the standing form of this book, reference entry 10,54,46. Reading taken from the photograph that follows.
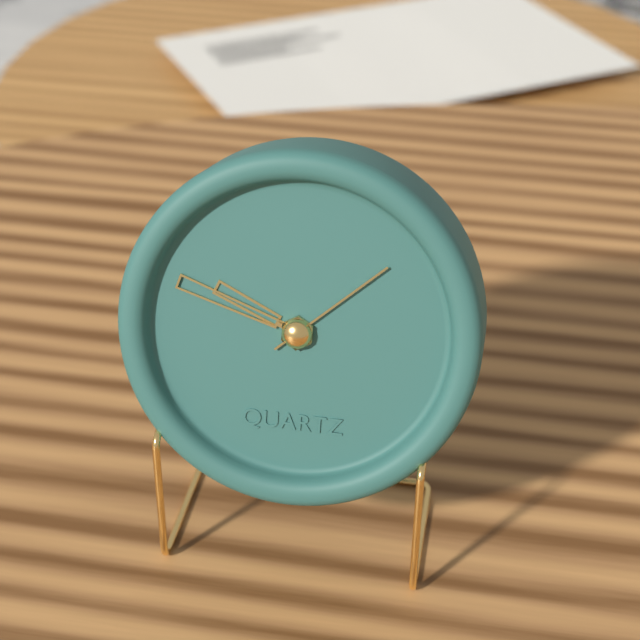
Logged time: 9,48,08
